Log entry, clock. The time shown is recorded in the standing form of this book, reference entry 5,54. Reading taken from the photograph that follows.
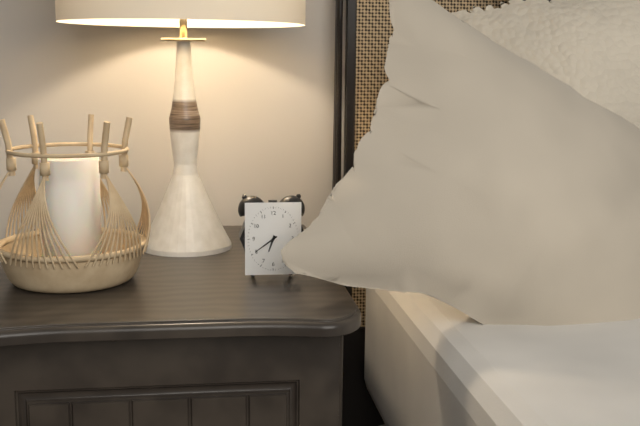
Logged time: 6,39
